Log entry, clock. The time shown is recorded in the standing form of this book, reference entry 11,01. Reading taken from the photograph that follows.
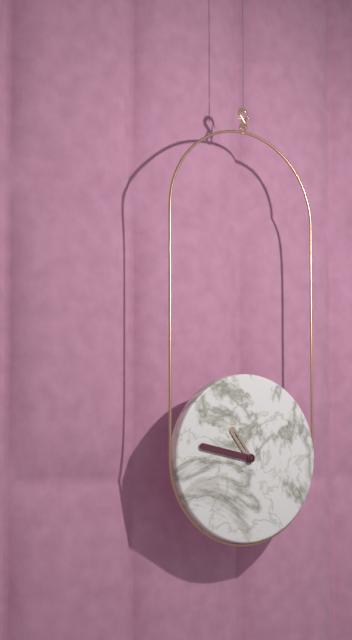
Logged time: 10,47
